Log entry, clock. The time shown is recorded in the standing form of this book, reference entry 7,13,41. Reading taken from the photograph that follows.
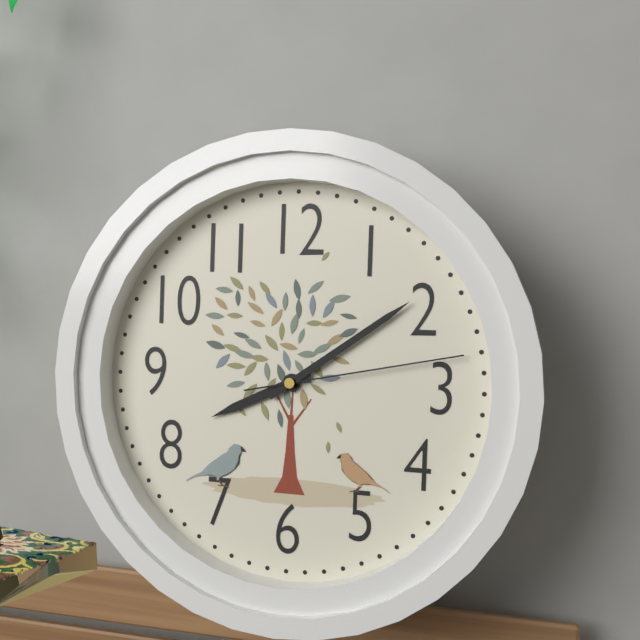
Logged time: 8,09,13
